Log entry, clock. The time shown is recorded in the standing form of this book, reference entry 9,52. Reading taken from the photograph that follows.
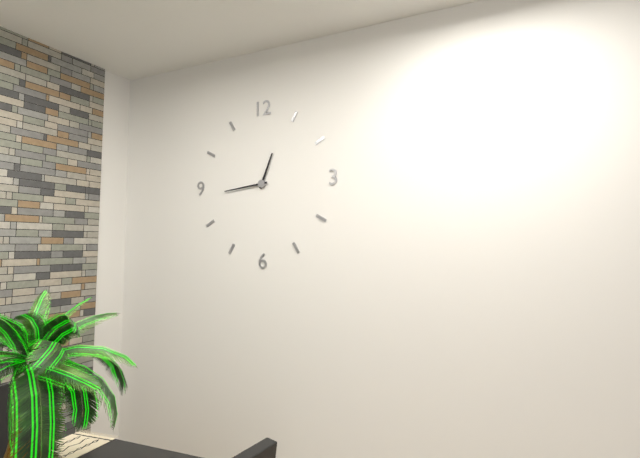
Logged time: 12,44
